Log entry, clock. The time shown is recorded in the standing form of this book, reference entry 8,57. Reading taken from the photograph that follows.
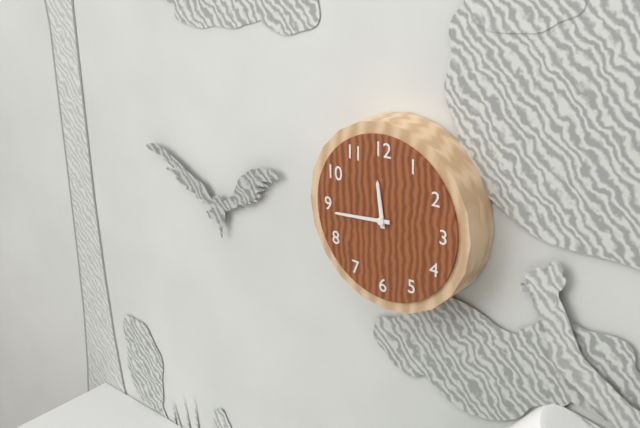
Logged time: 11,44
